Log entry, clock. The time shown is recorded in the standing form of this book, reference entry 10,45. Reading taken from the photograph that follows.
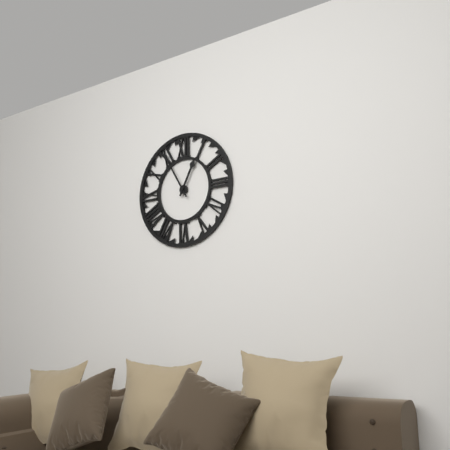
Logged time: 12,55
